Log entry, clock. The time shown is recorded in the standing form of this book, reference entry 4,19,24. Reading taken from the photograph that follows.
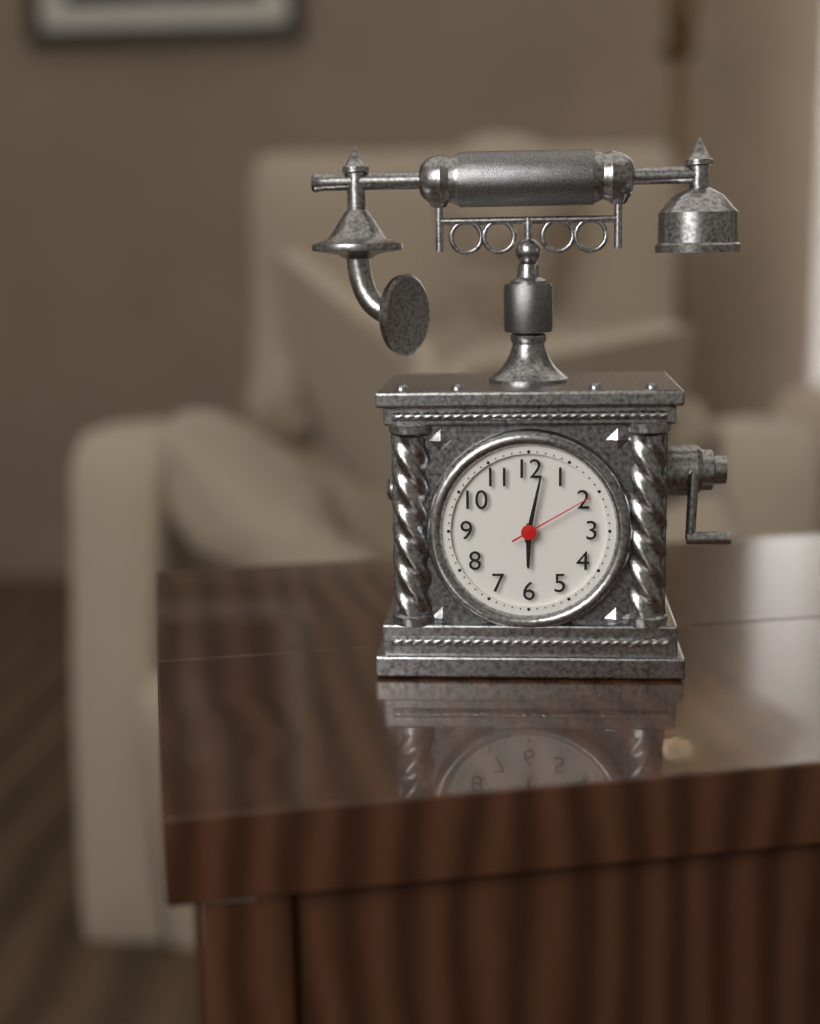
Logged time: 6,02,10
